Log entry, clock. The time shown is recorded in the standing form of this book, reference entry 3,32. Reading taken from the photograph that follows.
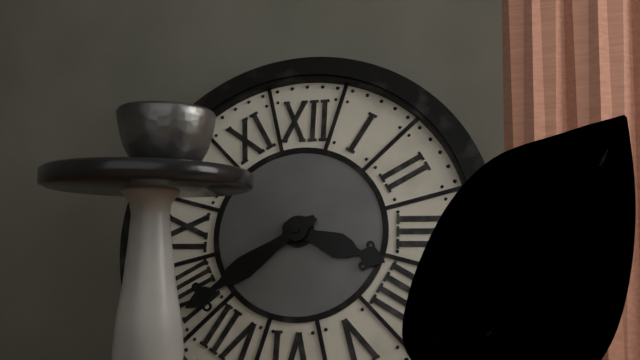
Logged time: 3,39
